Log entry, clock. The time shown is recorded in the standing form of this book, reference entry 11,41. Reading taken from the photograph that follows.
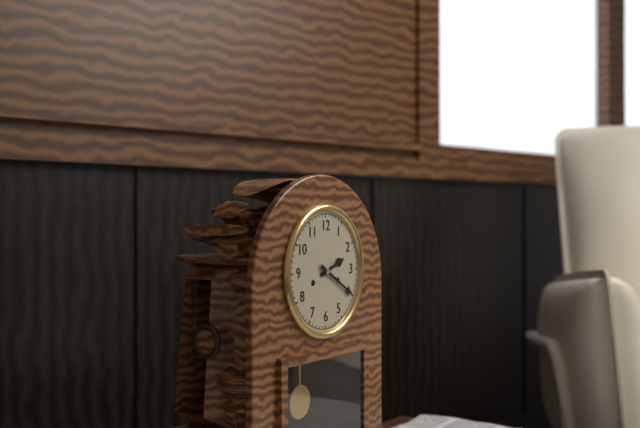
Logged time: 2,20
